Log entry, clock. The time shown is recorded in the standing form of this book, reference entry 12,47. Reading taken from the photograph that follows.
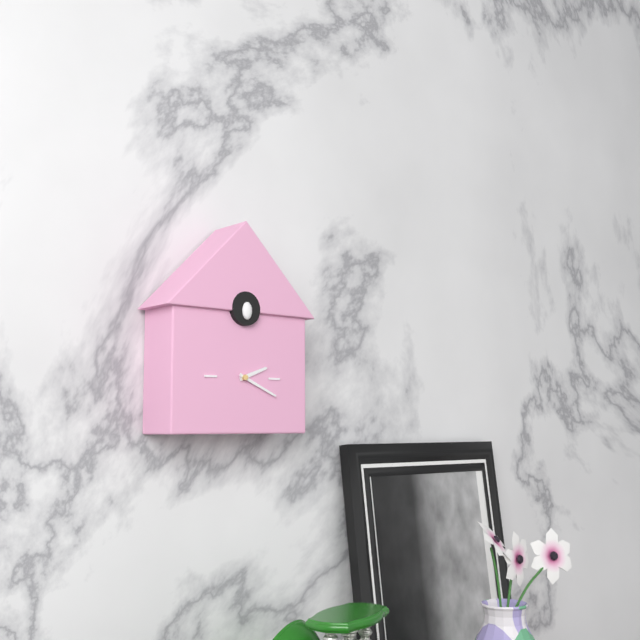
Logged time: 2,19
